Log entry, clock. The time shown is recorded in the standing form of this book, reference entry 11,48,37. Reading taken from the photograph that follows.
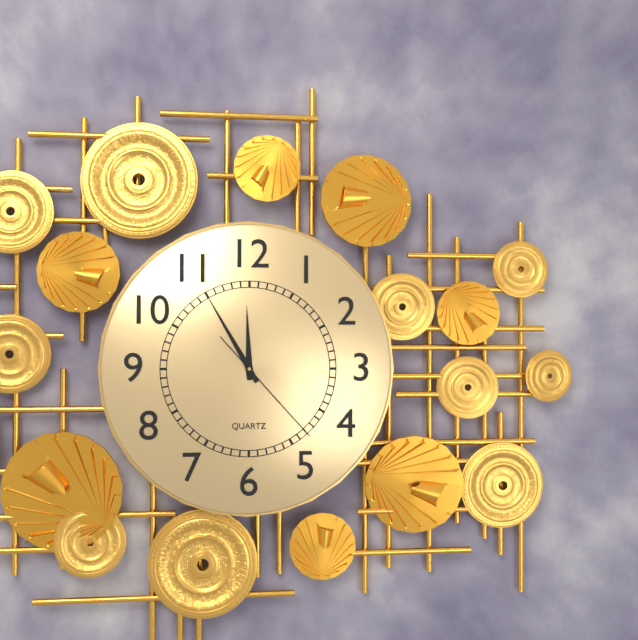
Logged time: 11,55,23
